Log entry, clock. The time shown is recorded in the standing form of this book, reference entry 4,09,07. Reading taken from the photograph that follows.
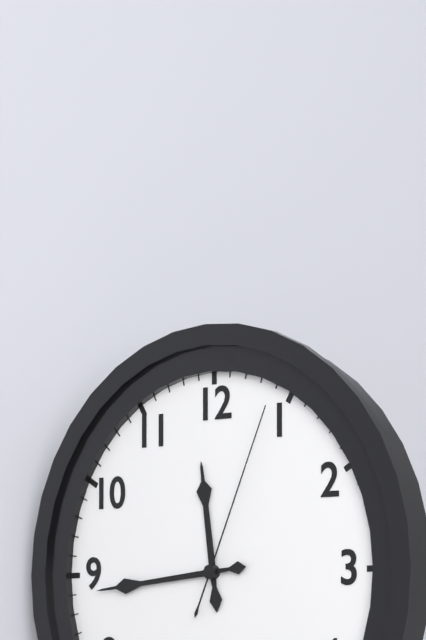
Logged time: 11,44,04
